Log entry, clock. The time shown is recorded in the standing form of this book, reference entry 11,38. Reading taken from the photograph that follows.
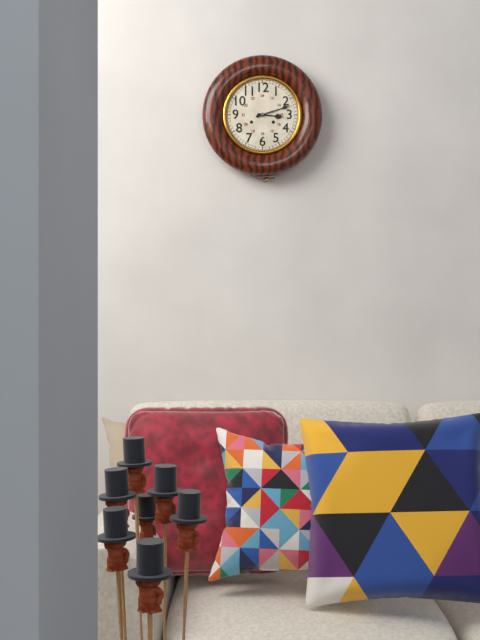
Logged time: 3,12
